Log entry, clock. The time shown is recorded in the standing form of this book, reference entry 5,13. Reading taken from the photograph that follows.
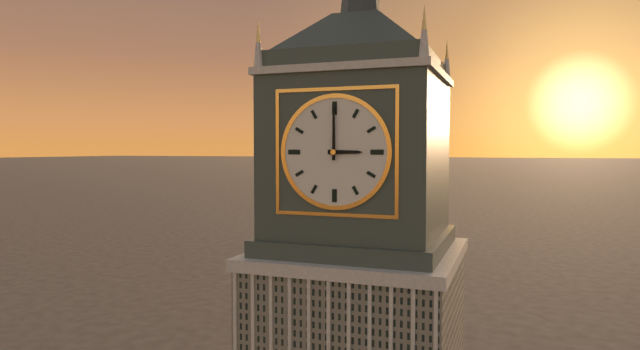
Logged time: 3,00
